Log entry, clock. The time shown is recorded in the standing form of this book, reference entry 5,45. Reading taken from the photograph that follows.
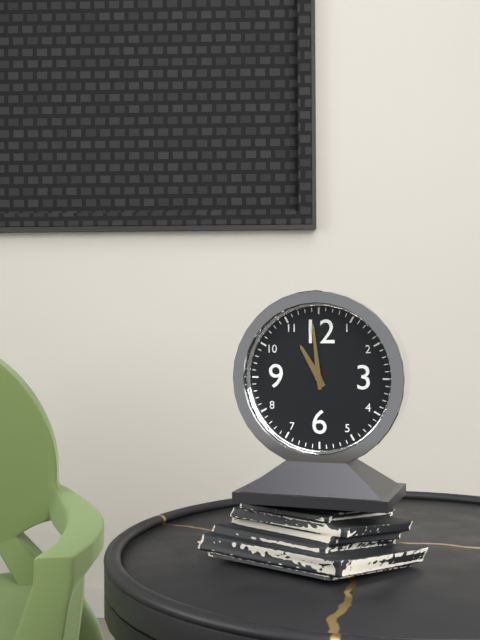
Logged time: 10,59
